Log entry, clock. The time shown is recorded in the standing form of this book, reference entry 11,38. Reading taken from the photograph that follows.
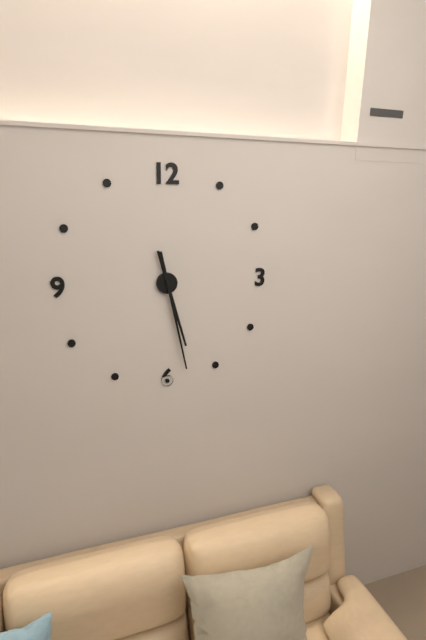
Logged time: 5,28
